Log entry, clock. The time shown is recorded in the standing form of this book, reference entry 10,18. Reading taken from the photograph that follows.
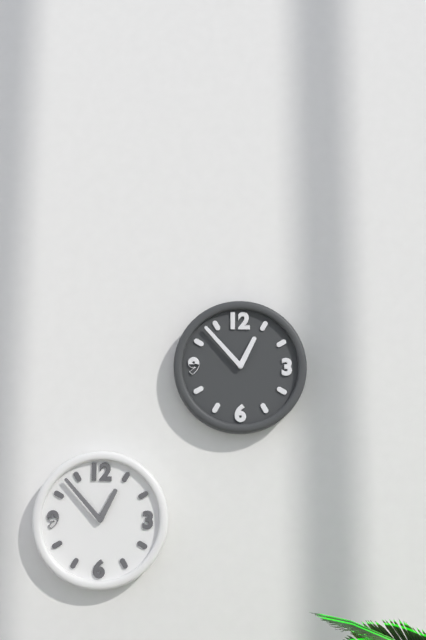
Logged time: 12,53
